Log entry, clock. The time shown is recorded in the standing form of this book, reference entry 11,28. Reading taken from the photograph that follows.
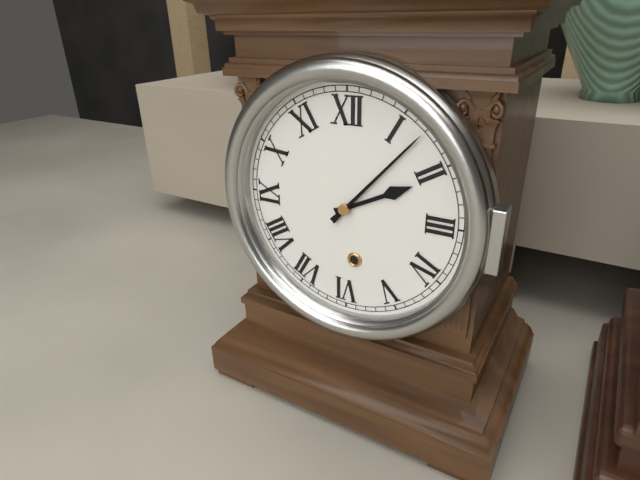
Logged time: 2,07
